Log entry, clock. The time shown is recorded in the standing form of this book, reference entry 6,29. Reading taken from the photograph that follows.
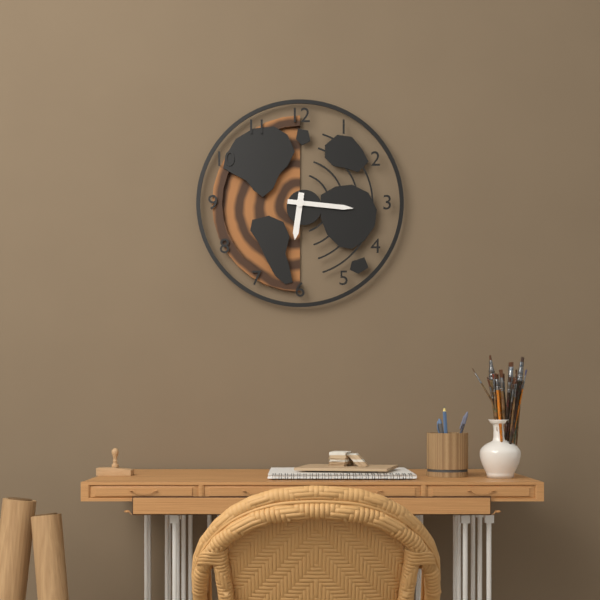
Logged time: 6,16
